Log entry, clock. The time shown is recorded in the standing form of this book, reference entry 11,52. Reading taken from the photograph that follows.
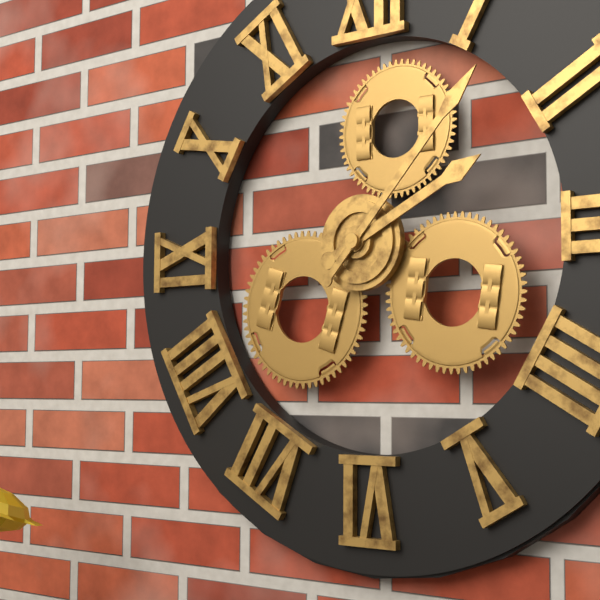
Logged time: 2,07
